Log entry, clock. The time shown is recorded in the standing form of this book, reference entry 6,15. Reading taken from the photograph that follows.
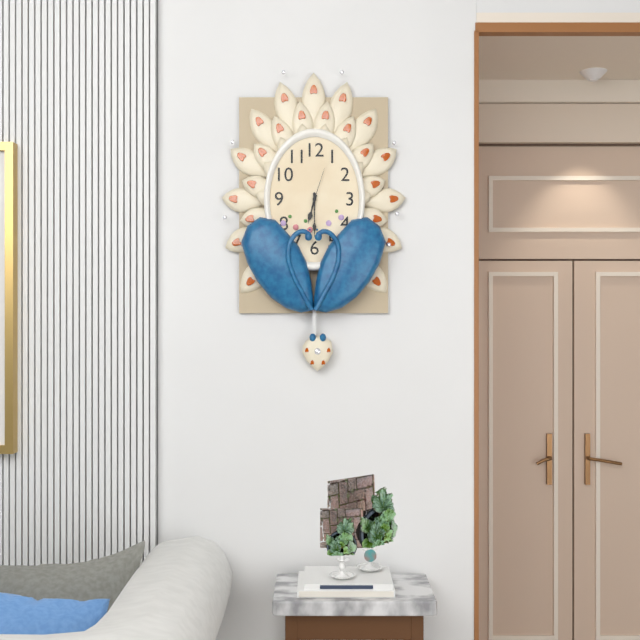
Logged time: 6,30
